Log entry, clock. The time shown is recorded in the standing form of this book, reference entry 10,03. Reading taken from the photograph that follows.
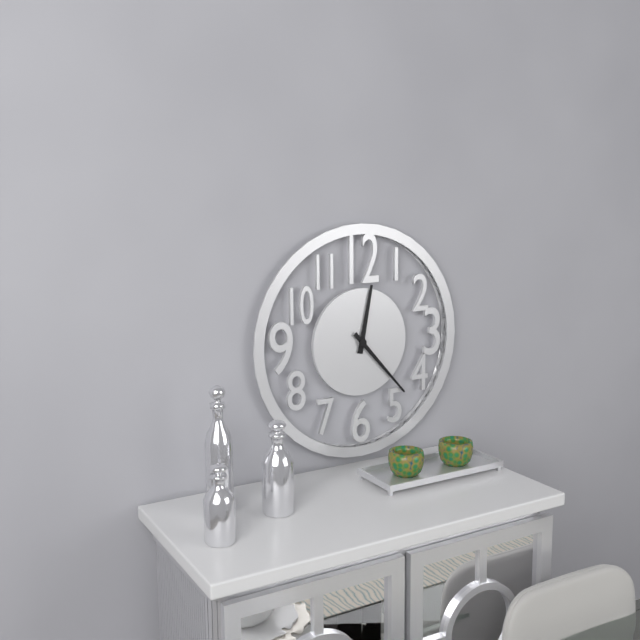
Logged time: 12,23
